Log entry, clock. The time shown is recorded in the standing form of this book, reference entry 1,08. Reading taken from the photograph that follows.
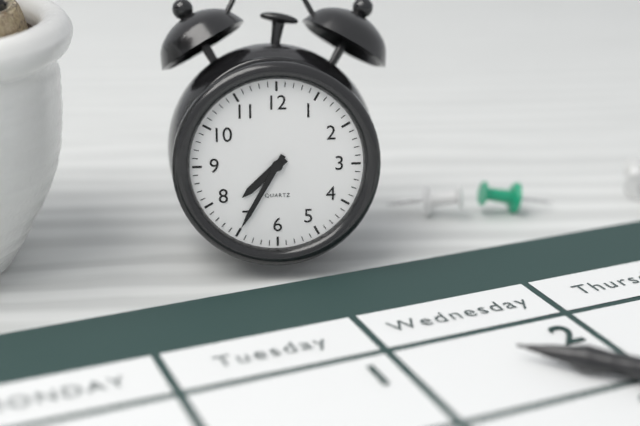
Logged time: 7,35
